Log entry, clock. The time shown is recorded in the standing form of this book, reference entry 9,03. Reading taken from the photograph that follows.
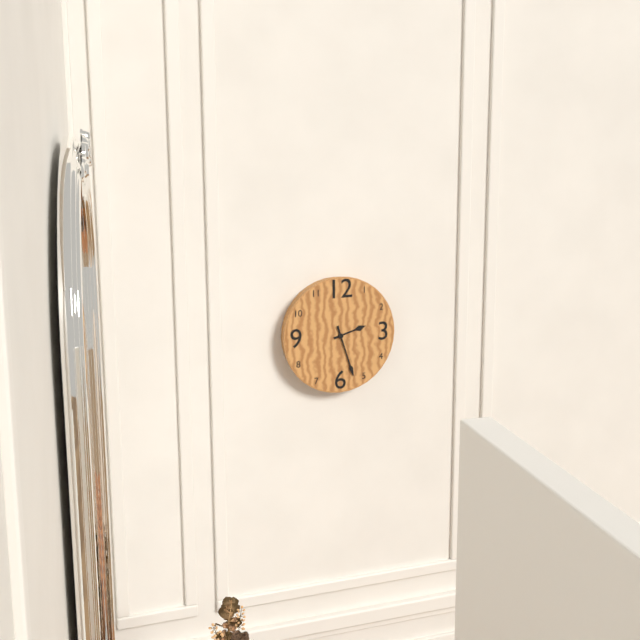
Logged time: 2,27
